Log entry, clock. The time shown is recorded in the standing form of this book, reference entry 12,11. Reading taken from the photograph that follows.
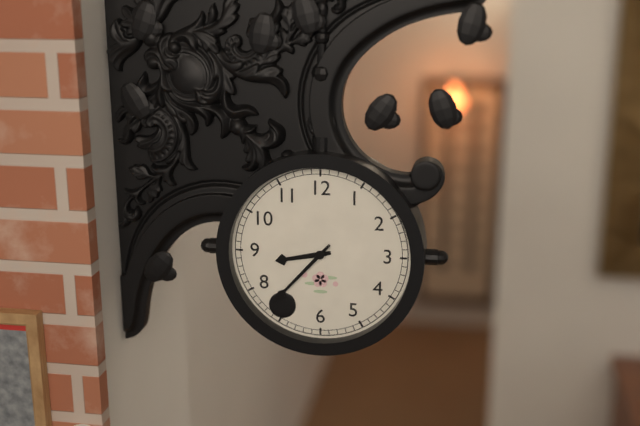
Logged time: 8,37
